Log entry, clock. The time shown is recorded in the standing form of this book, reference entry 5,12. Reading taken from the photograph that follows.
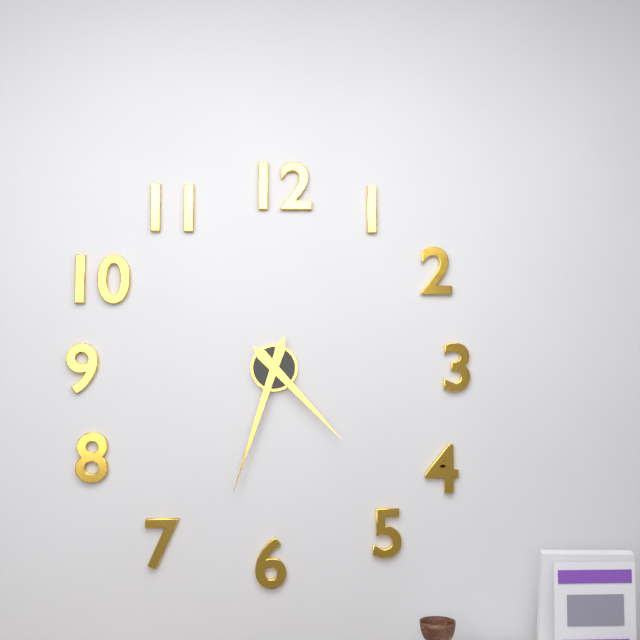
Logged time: 4,33
